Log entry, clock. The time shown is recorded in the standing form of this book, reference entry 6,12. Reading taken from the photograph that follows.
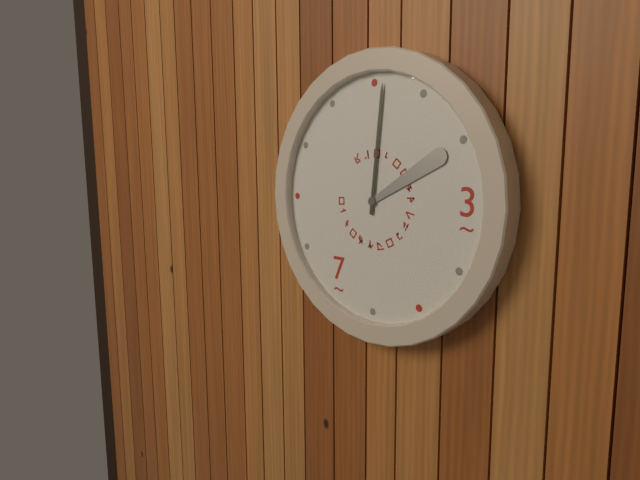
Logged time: 2,01
